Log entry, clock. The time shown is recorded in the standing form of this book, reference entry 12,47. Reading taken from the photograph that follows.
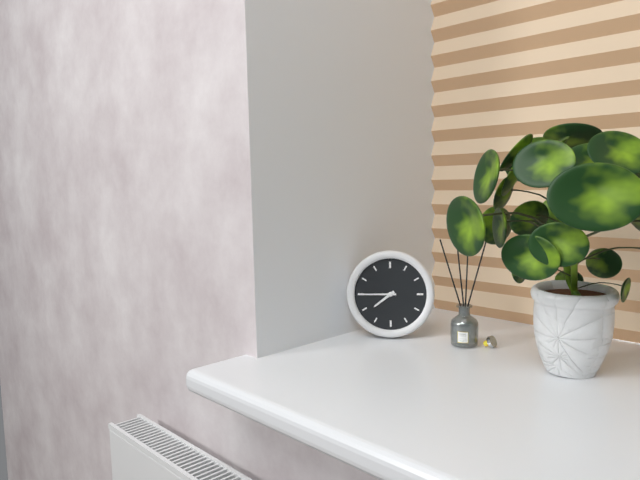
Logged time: 7,45
